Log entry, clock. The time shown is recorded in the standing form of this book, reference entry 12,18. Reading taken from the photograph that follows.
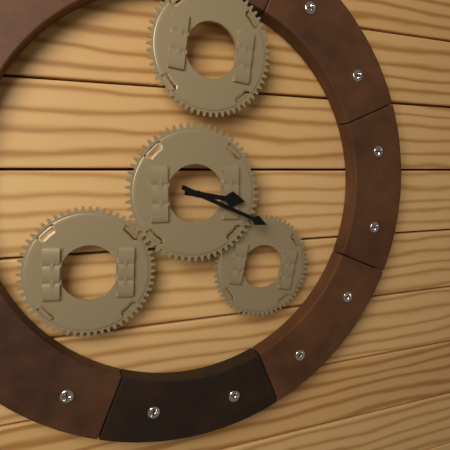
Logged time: 3,19
